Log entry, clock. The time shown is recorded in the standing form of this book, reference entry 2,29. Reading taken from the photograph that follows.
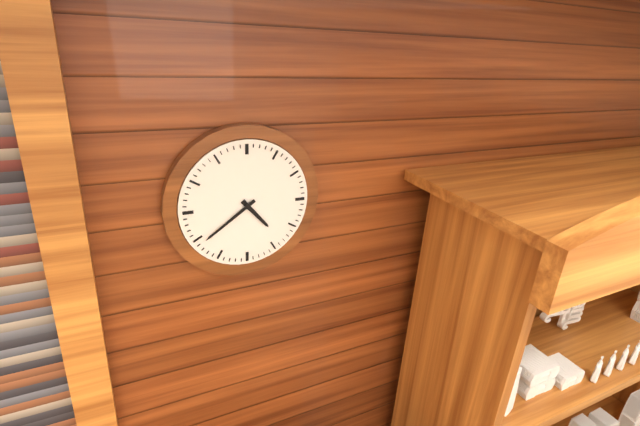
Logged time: 4,39
